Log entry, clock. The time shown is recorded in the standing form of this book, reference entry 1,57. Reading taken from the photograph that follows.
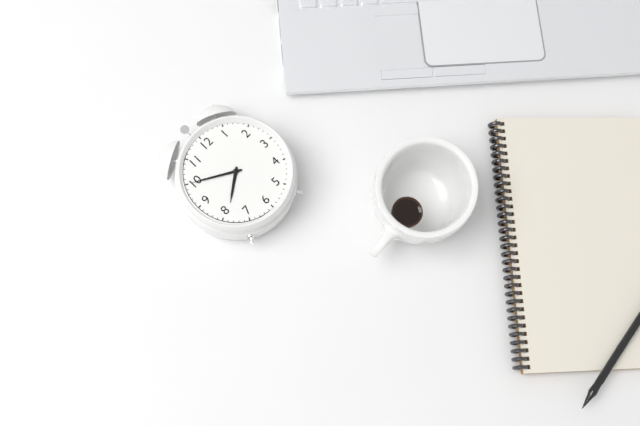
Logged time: 7,50
